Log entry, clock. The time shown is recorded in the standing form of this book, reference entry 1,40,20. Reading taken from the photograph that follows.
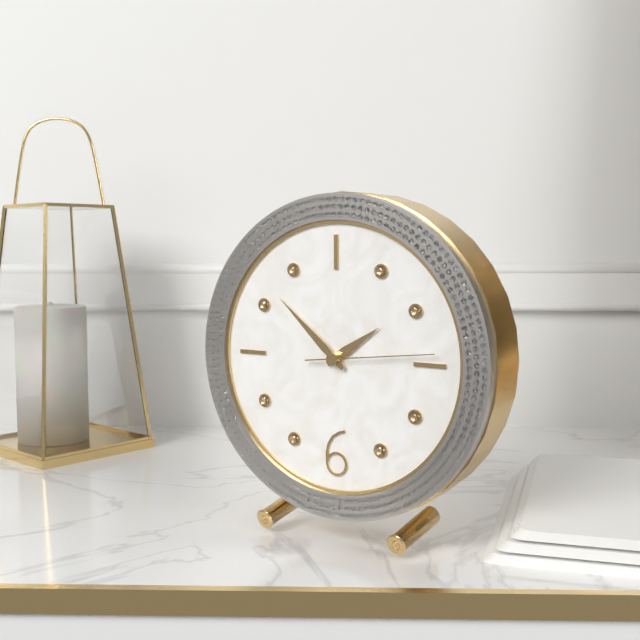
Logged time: 1,52,14
